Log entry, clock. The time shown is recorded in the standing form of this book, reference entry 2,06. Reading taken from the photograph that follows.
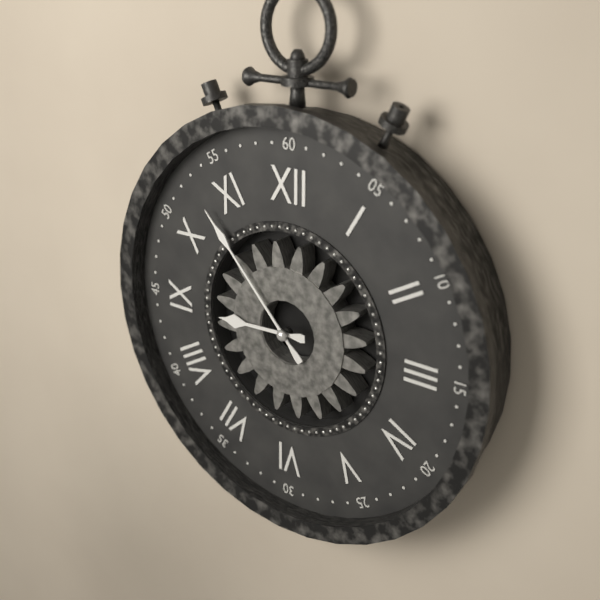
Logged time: 8,53
